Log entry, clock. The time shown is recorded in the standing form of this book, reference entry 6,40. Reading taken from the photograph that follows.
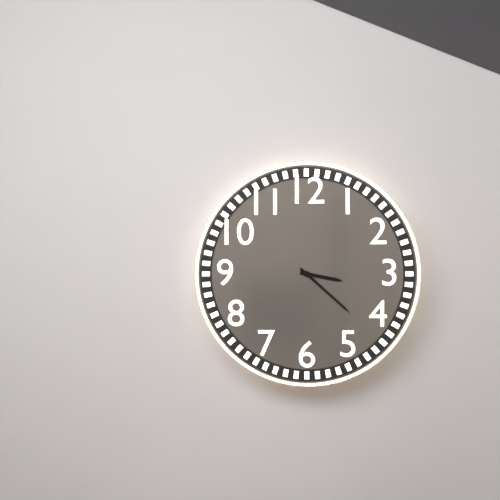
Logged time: 3,22
